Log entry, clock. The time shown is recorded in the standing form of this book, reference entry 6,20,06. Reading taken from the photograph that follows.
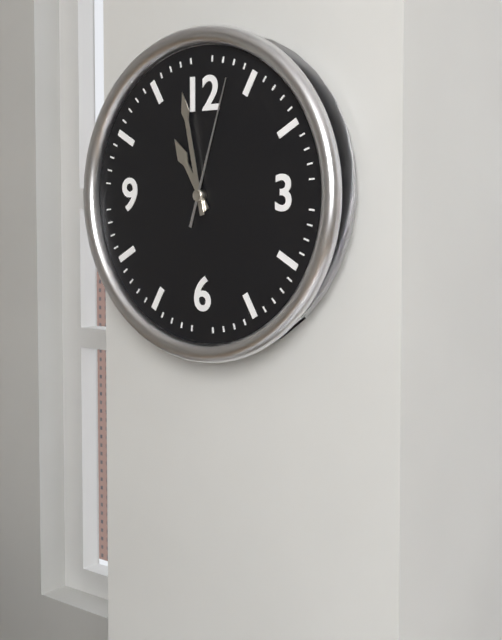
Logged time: 10,58,03
